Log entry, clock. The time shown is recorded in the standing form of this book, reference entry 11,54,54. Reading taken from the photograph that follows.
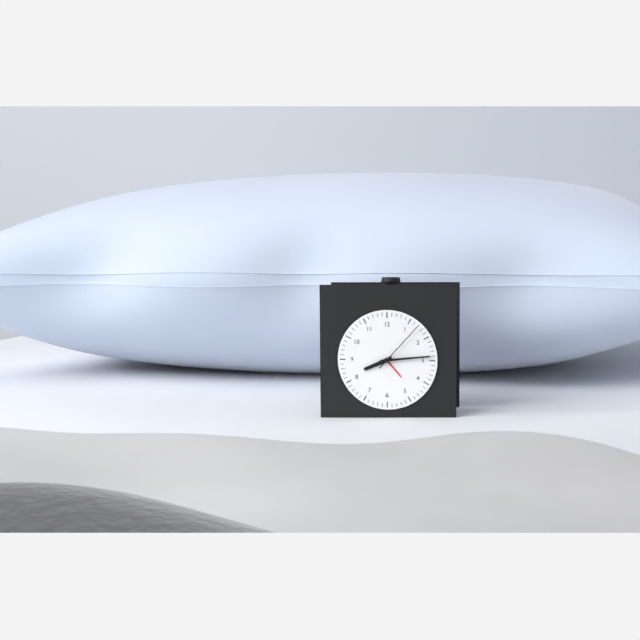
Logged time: 8,14,07
